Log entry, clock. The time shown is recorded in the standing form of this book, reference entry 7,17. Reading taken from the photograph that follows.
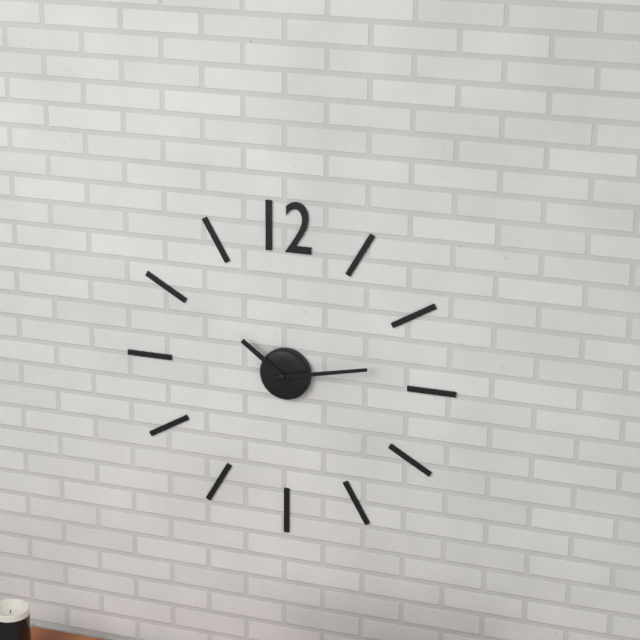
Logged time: 10,13
